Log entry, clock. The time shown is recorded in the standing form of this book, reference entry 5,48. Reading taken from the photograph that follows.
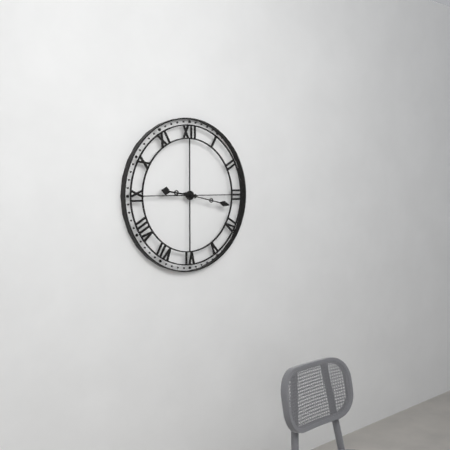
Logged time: 9,17
